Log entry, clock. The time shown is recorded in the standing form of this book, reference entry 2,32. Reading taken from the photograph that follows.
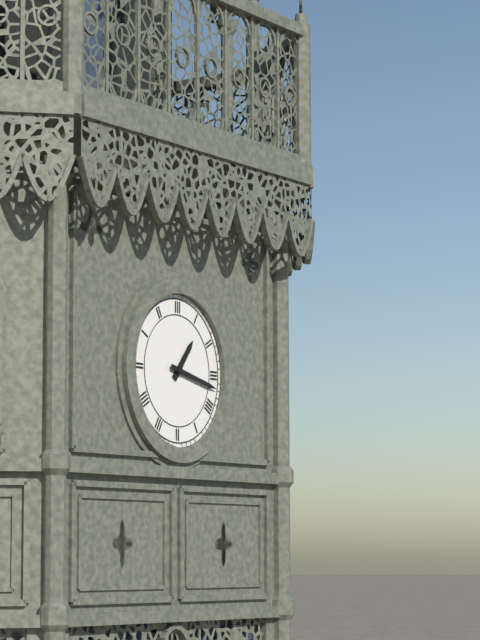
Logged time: 1,17
